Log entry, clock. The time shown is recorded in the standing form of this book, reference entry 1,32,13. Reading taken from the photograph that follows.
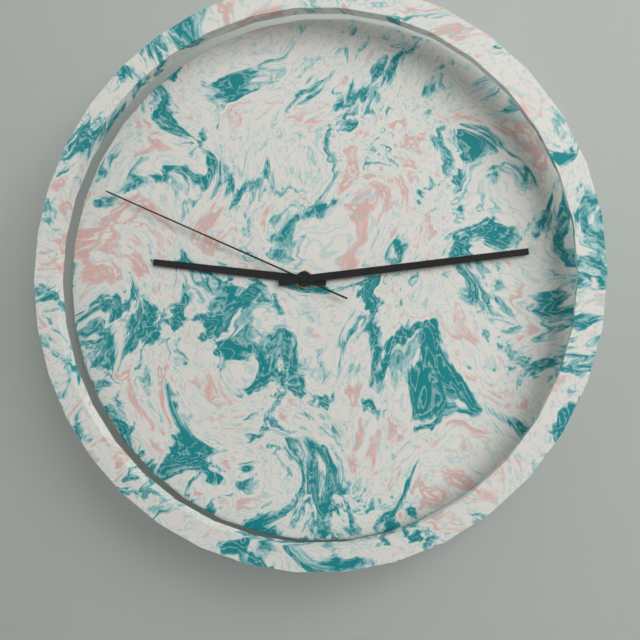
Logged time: 9,14,49
